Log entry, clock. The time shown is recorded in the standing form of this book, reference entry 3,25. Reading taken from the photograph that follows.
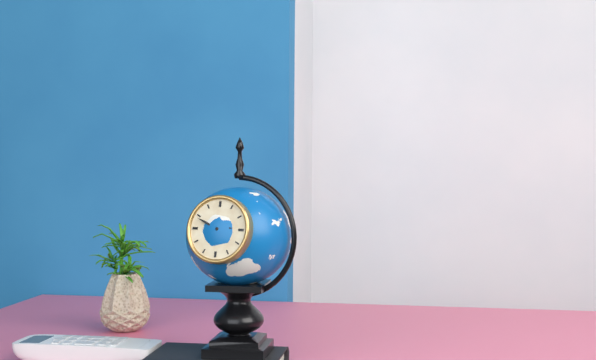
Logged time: 2,49
